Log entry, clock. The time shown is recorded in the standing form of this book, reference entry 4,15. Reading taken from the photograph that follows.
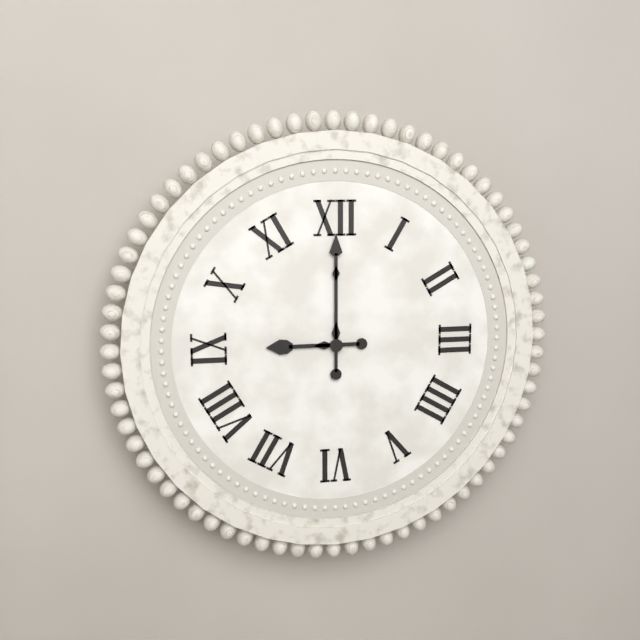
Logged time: 9,00
